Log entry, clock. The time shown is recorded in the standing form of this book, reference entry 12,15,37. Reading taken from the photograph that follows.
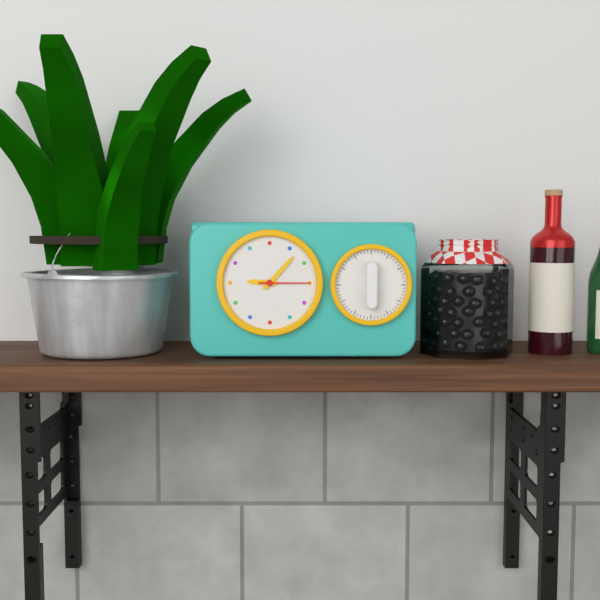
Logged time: 9,07,15
